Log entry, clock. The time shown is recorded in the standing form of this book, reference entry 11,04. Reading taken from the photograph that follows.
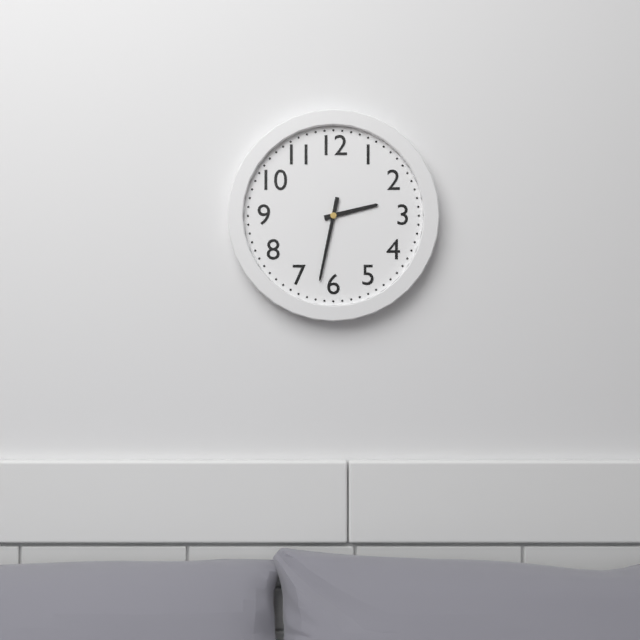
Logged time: 2,32
